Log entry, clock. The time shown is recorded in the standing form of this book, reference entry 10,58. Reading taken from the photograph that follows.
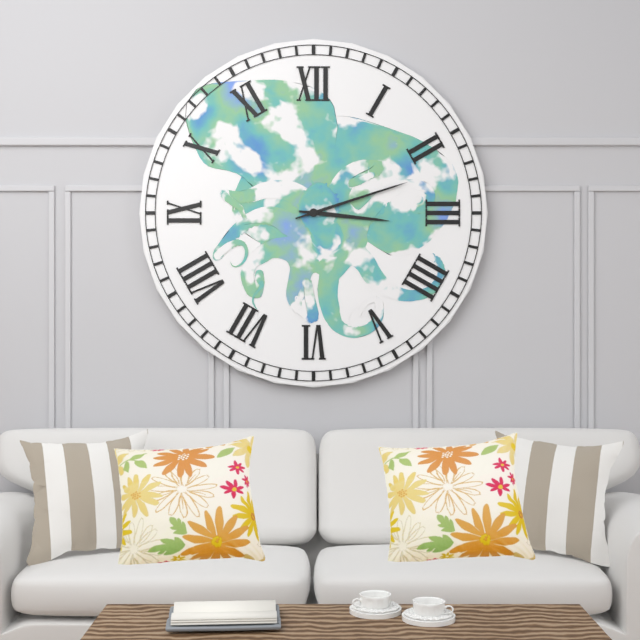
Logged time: 3,12
